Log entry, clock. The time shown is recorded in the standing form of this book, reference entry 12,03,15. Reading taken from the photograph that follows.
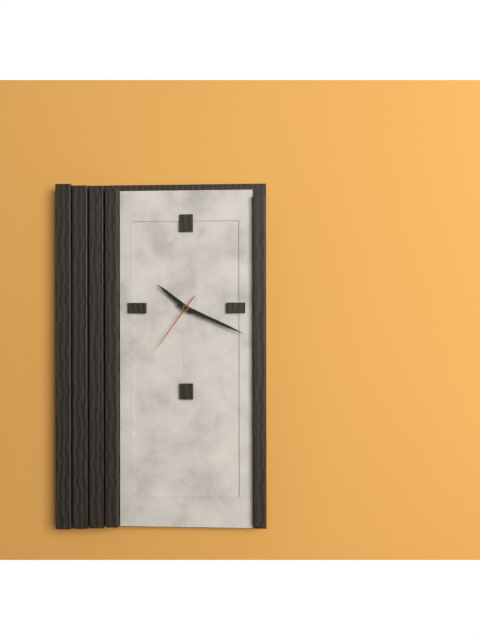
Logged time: 10,19,36
